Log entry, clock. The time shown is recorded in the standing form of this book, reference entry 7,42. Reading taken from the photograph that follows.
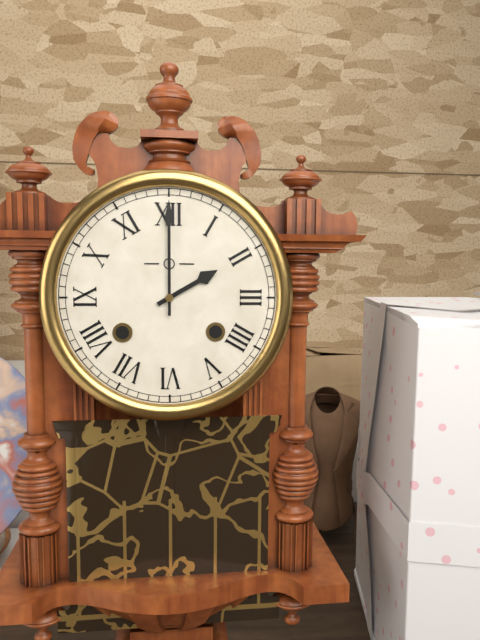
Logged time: 2,00
